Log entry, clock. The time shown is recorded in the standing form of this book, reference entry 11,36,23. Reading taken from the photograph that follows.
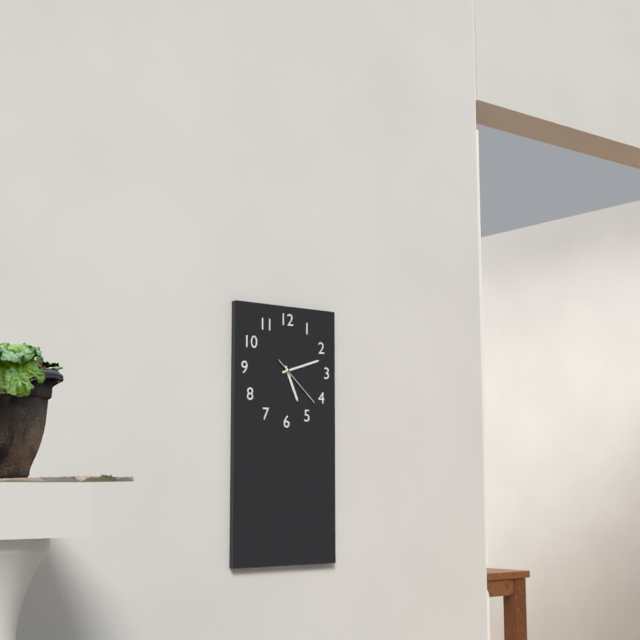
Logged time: 5,12,22
